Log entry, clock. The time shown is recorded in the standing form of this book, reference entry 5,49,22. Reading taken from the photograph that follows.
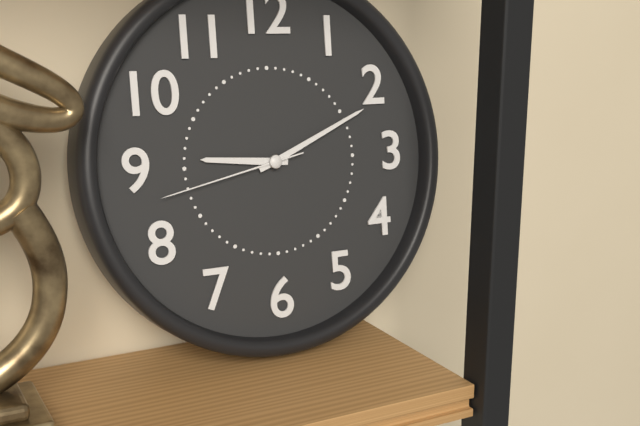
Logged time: 9,11,43
